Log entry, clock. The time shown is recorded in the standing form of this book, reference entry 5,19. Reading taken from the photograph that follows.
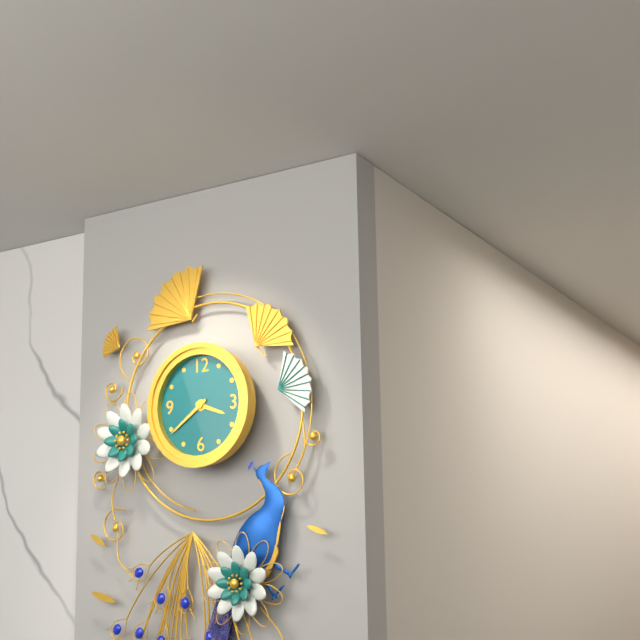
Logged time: 3,39
